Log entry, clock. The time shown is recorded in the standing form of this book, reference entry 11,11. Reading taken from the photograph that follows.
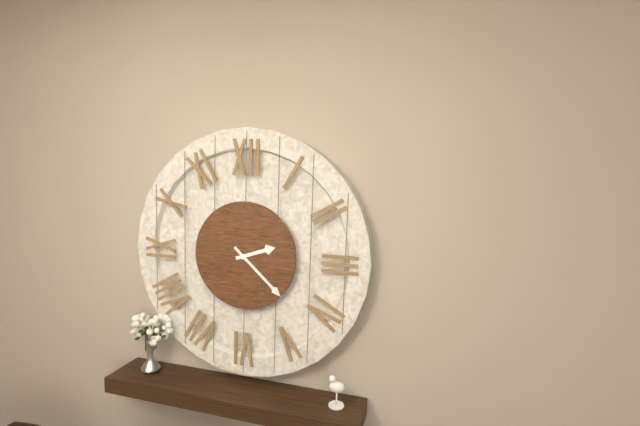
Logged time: 2,22
